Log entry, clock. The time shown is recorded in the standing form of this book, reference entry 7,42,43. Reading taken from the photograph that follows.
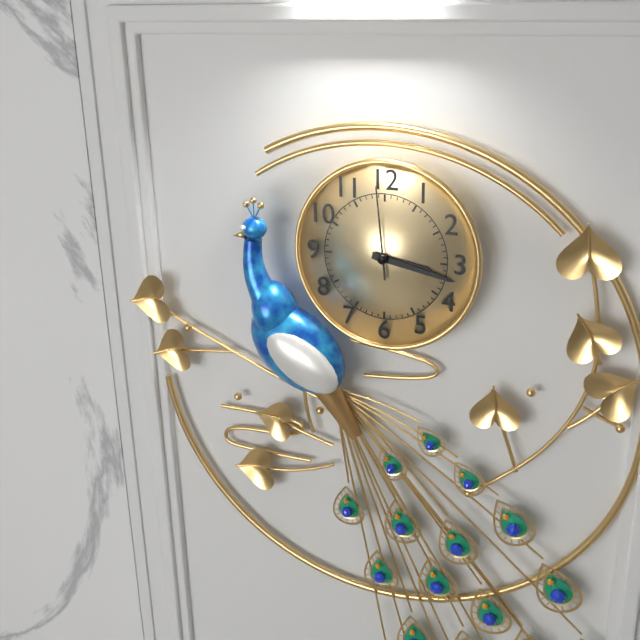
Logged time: 3,17,59
